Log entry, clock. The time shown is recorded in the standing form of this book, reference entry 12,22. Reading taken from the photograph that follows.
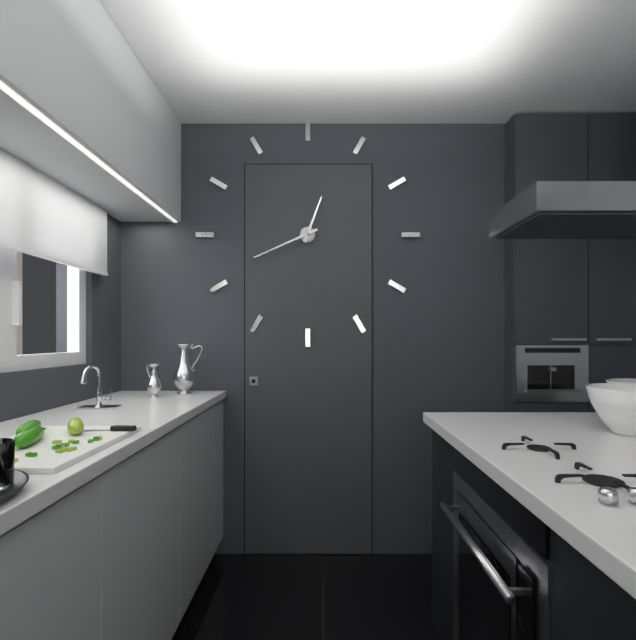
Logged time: 12,41
